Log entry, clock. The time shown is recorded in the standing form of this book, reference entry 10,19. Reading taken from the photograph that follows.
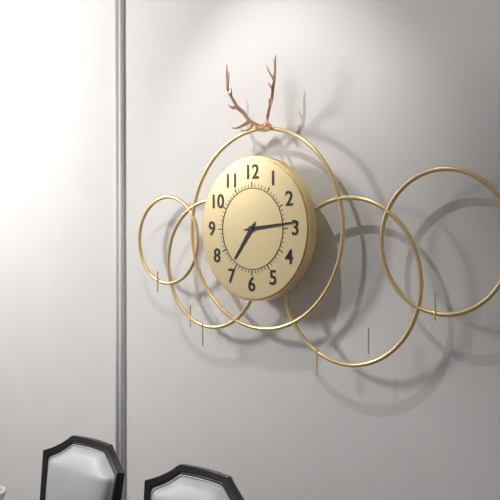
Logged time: 7,14
